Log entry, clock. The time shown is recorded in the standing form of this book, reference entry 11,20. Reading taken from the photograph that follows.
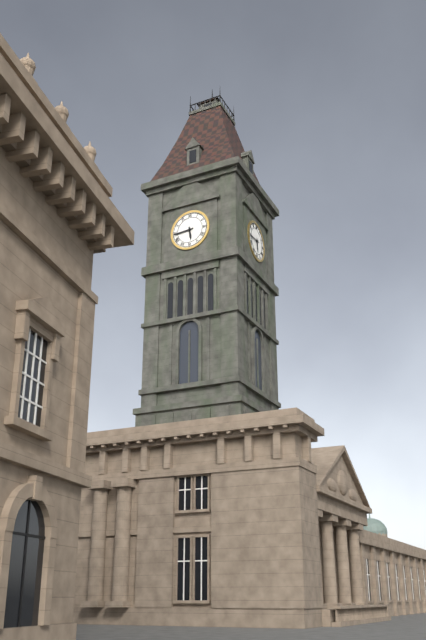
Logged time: 5,44
